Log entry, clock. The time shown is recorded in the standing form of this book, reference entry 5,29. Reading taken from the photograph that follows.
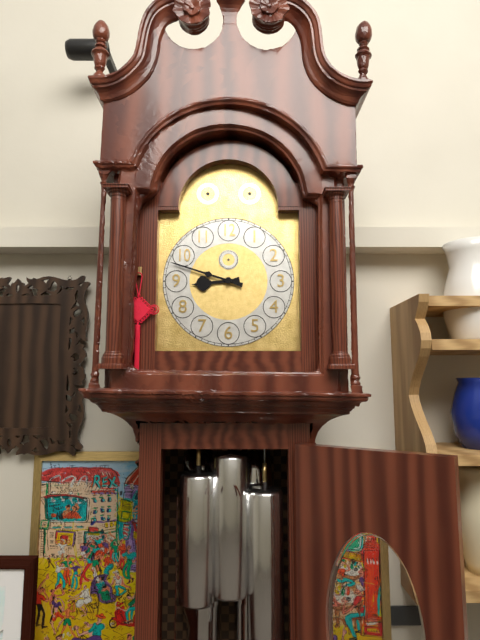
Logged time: 8,48
